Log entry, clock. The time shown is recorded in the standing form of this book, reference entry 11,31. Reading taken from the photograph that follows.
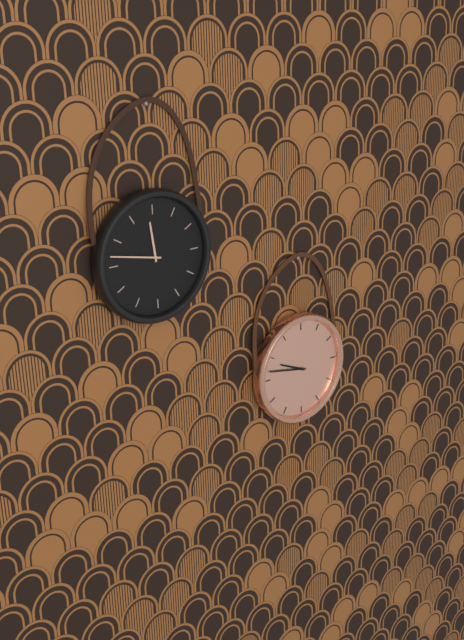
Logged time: 9,47
